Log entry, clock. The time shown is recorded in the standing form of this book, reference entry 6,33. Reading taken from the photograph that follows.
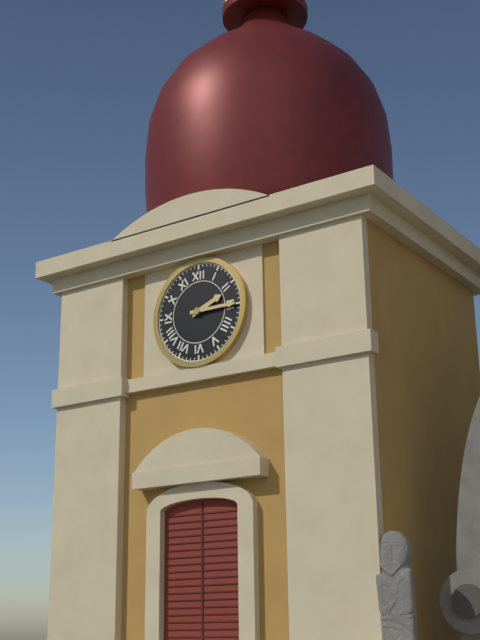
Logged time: 2,15
